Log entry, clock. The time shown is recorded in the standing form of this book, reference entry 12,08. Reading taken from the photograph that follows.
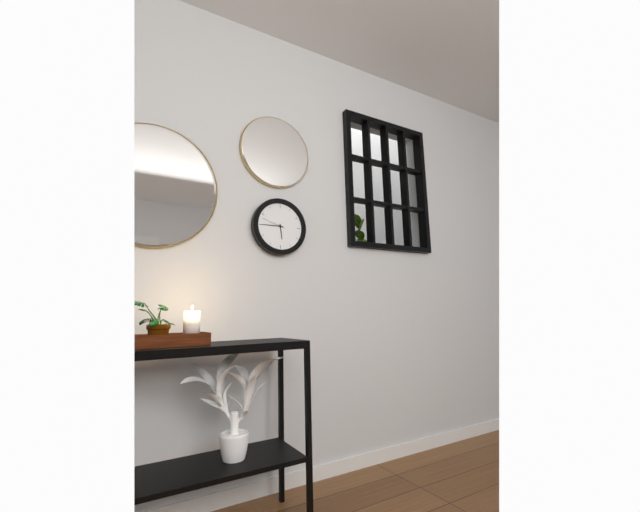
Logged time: 5,45
